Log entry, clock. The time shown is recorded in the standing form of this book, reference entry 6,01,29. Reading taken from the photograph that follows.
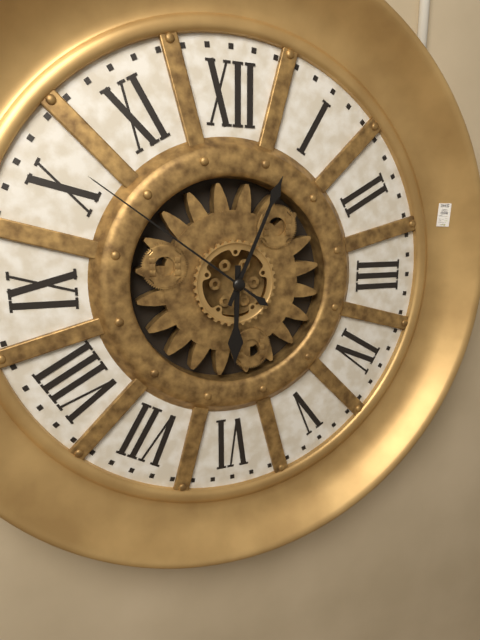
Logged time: 6,04,51
